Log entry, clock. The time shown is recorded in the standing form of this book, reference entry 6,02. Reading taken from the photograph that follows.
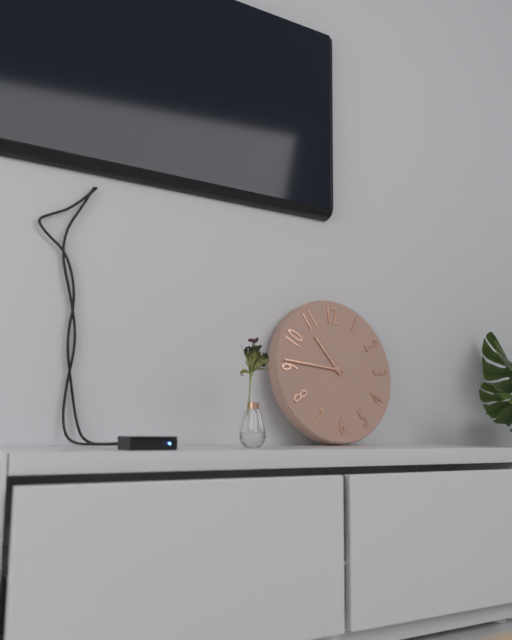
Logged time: 10,46
